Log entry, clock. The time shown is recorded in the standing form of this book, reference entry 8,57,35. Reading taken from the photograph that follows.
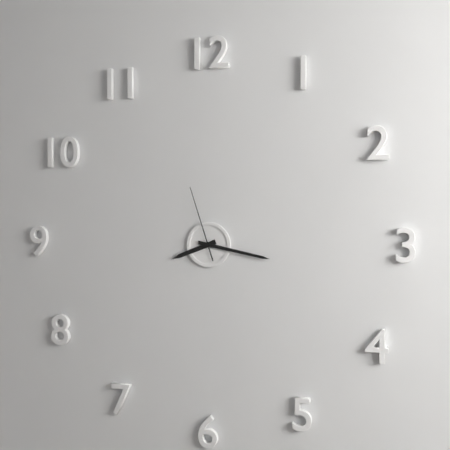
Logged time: 8,17,57
